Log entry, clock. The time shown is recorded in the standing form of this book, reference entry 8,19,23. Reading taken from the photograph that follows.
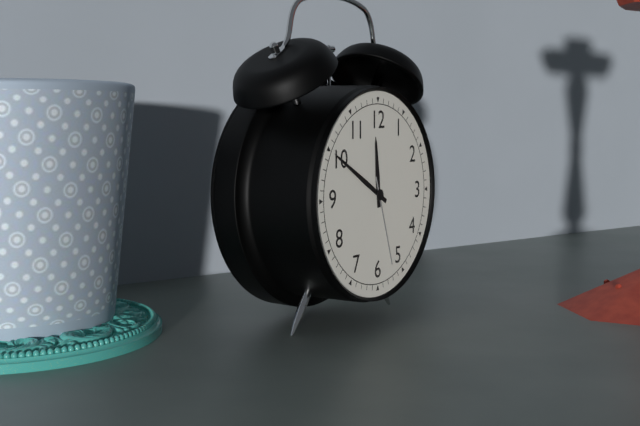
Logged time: 11,50,27
